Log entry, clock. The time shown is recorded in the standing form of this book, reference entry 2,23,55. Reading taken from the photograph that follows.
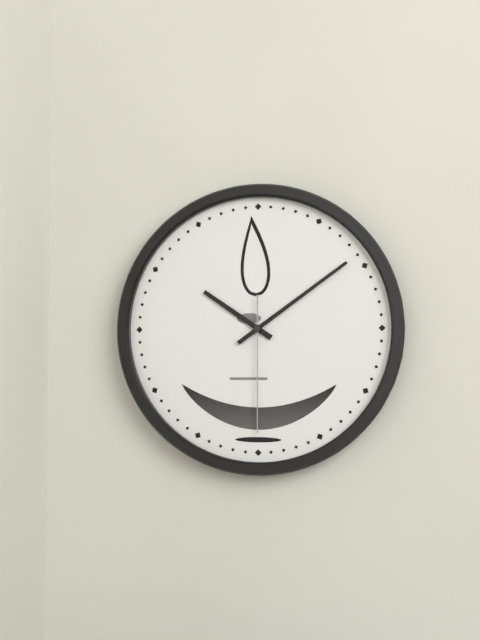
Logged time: 10,09,30
